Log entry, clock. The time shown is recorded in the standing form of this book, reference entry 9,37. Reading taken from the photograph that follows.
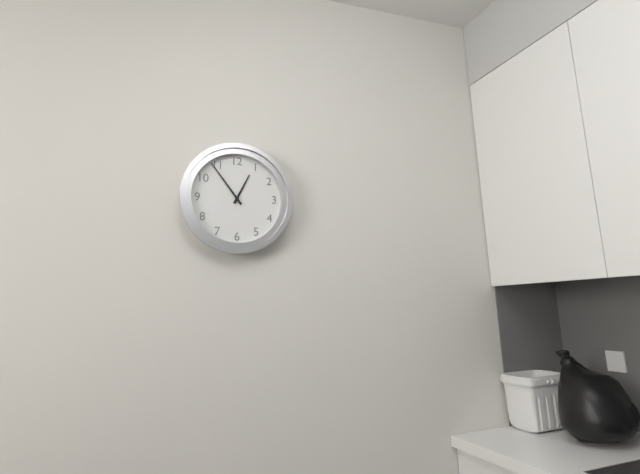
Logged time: 12,54
